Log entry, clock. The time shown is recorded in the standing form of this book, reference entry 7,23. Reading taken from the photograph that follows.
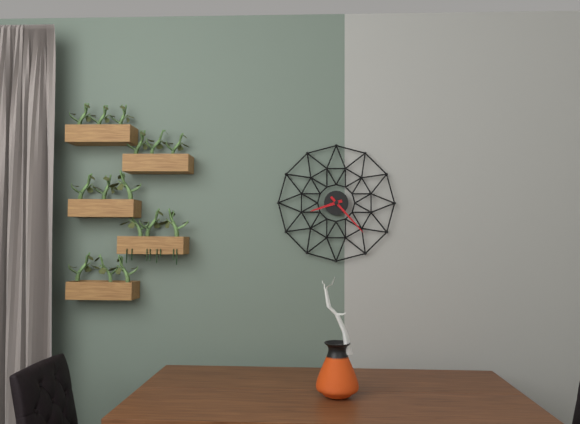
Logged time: 8,23
